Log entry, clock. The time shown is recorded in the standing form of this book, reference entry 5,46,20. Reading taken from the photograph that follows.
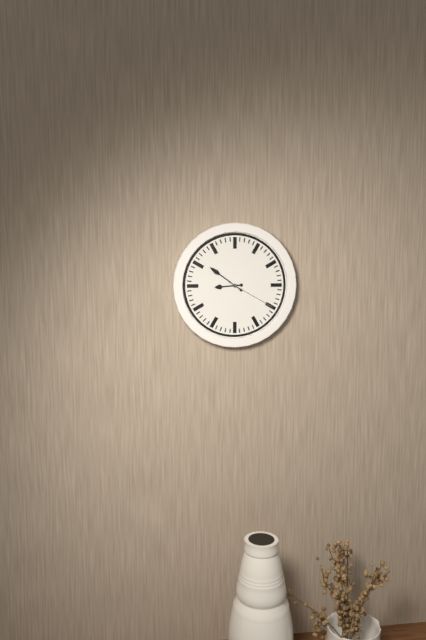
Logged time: 8,51,20
